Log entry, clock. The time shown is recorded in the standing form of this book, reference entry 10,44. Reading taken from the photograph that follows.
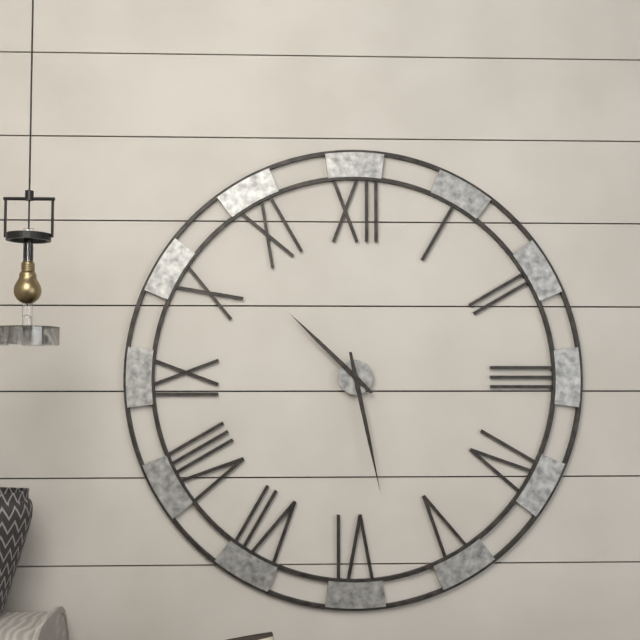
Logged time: 10,28
